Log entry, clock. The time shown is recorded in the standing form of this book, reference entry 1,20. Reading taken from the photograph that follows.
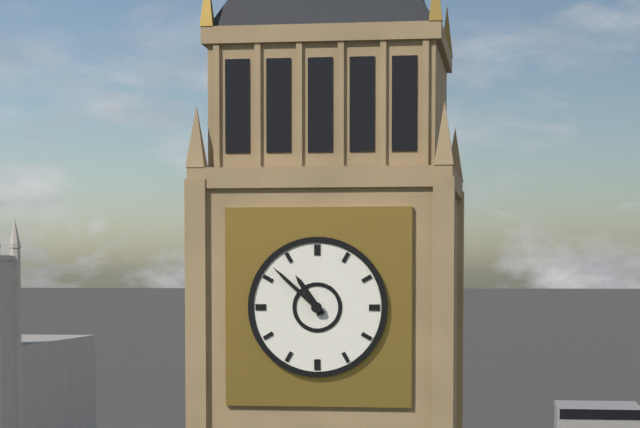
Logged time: 10,52
